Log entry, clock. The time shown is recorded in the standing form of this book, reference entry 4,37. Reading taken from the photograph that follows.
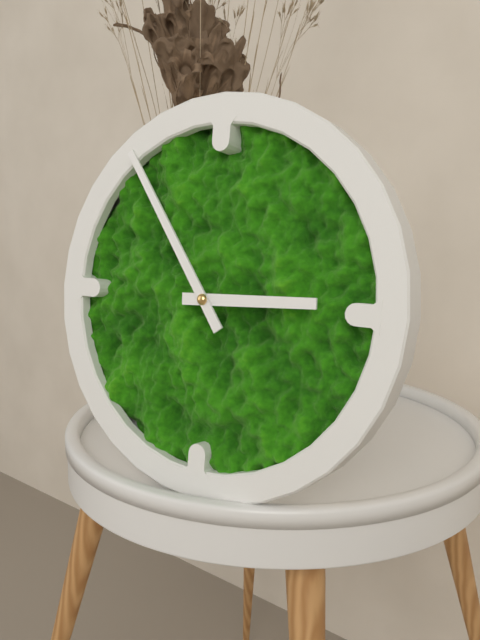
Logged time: 2,54
